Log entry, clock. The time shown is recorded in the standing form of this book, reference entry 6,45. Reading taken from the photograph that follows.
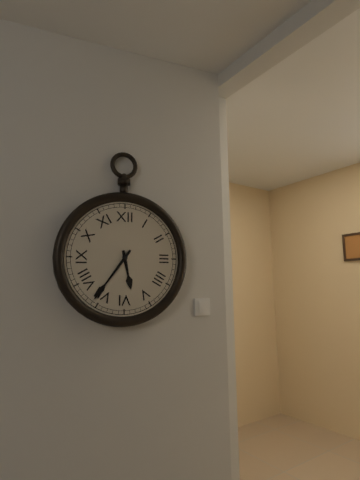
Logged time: 5,36
